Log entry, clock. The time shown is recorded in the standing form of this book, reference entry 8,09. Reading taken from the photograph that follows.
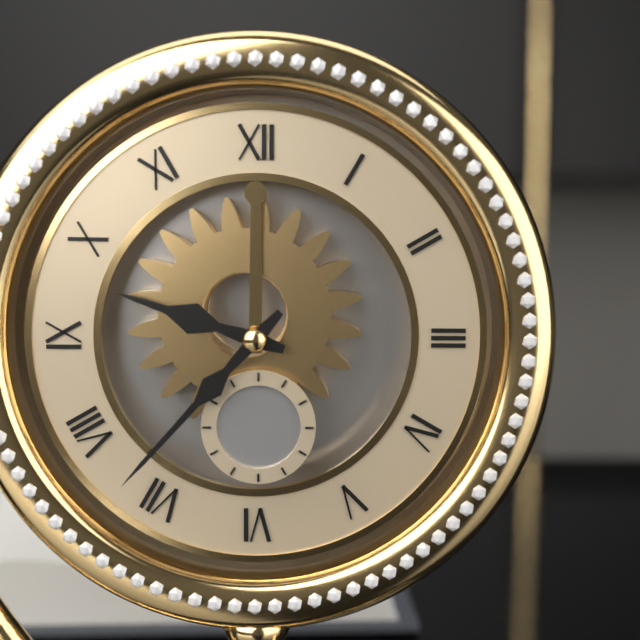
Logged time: 9,37
